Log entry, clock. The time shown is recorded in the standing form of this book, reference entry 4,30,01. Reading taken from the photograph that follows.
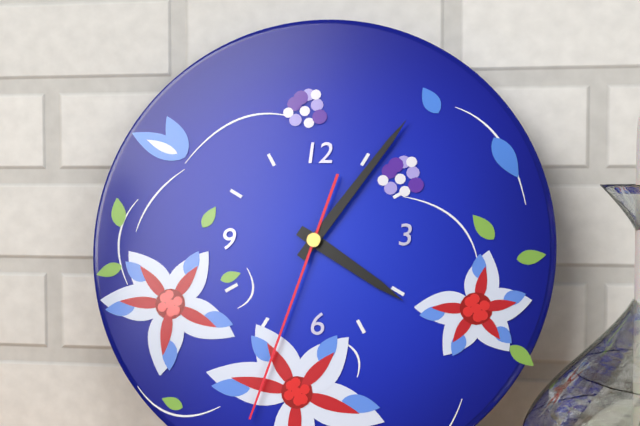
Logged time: 4,06,33
